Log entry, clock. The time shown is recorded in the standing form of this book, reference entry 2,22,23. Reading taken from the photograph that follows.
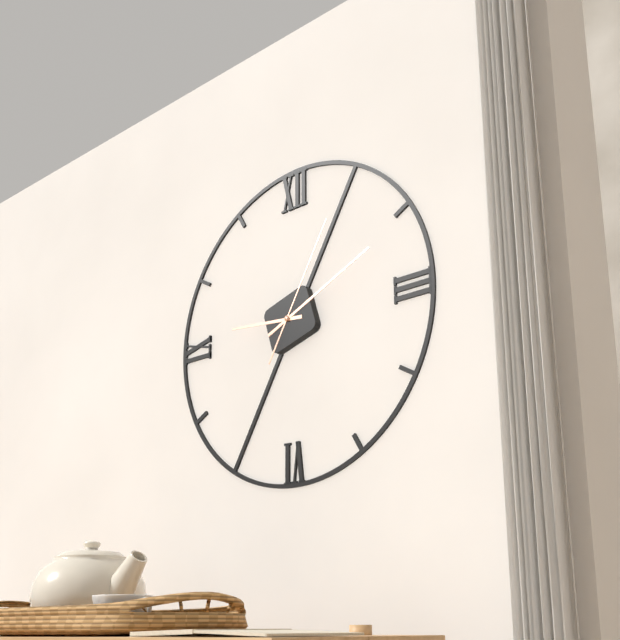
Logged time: 9,11,05
